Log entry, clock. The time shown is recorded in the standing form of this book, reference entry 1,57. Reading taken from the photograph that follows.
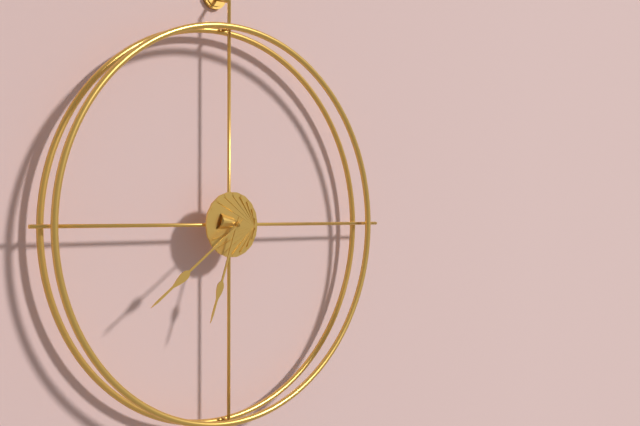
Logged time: 6,39
